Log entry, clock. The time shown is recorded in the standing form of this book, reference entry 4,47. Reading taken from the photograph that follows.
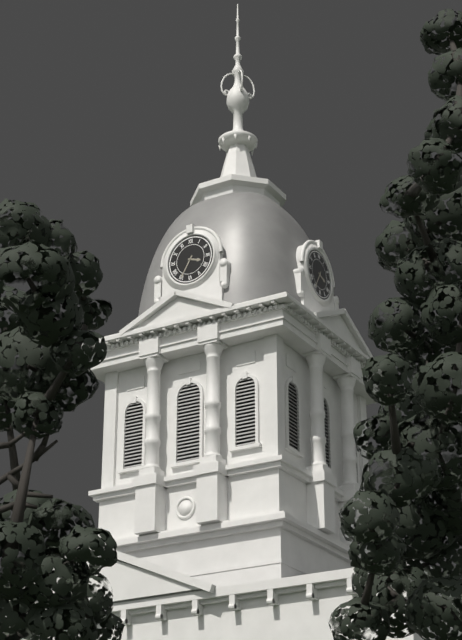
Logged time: 3,35
